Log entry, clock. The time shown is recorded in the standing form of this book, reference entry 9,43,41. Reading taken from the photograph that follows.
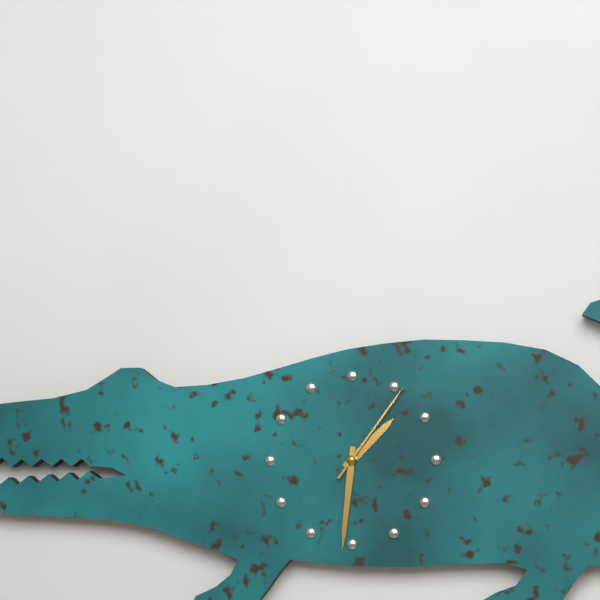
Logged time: 1,31,06
